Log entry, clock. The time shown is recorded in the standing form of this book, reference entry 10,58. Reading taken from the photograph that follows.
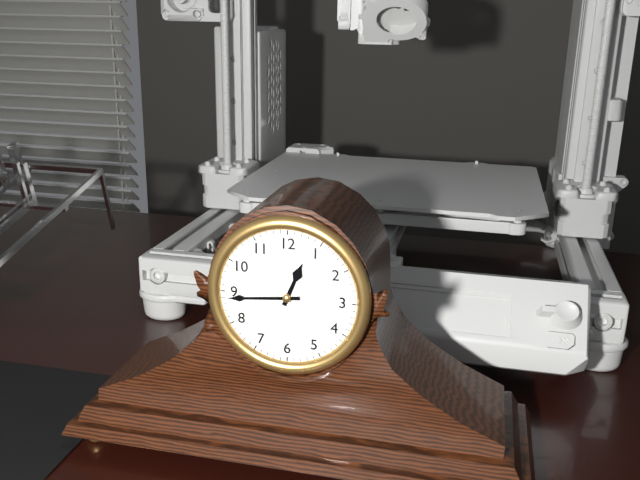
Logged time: 12,44
